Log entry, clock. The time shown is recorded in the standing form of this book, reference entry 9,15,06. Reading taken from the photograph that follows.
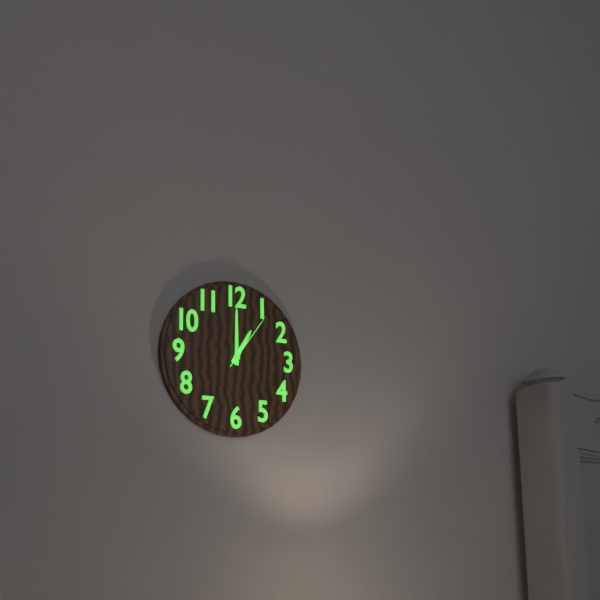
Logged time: 1,00,06
